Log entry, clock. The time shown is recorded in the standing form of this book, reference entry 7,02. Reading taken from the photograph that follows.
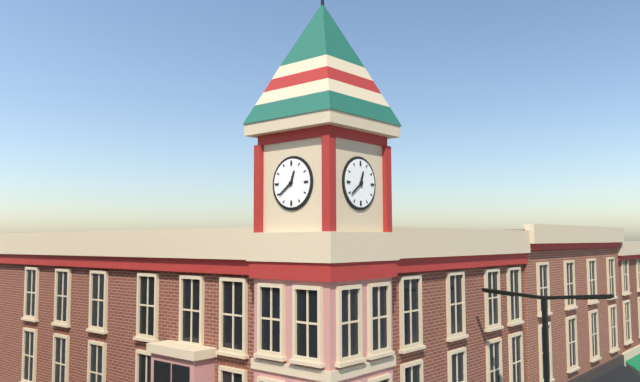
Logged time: 12,39
